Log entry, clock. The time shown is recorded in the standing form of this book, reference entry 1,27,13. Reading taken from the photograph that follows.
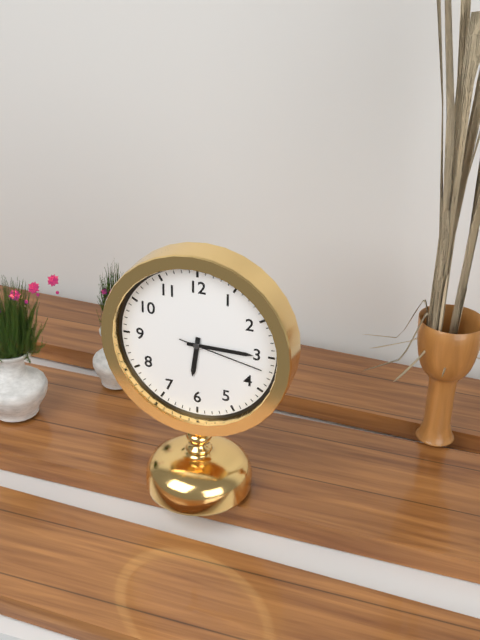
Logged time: 6,15,17
